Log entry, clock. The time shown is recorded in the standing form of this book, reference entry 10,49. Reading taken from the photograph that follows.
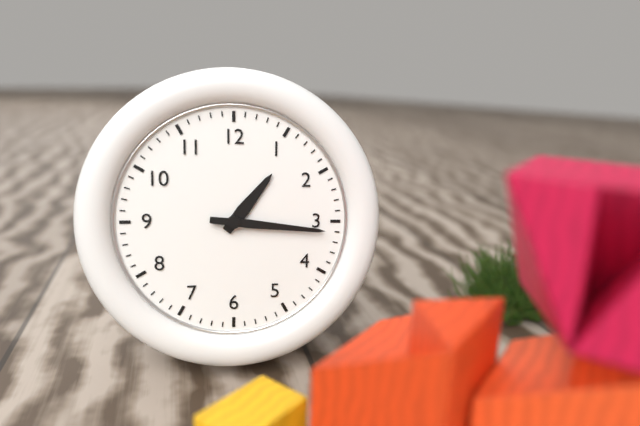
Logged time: 1,16
